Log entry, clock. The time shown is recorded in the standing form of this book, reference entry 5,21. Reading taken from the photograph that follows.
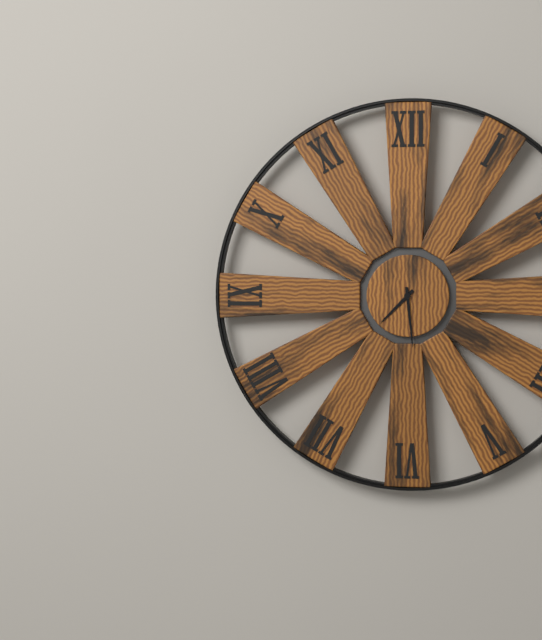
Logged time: 7,29
